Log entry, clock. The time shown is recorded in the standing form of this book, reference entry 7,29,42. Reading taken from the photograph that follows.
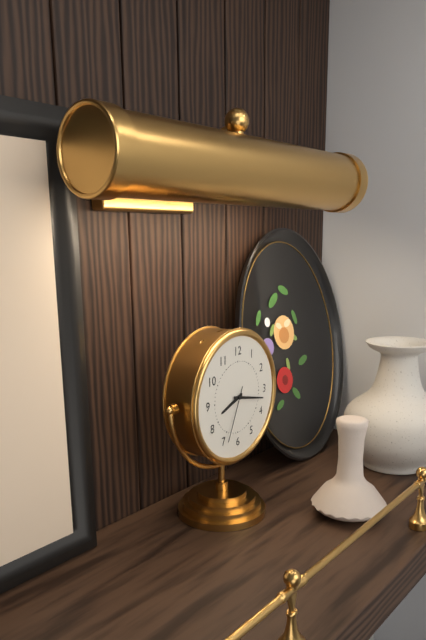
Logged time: 8,17,34
